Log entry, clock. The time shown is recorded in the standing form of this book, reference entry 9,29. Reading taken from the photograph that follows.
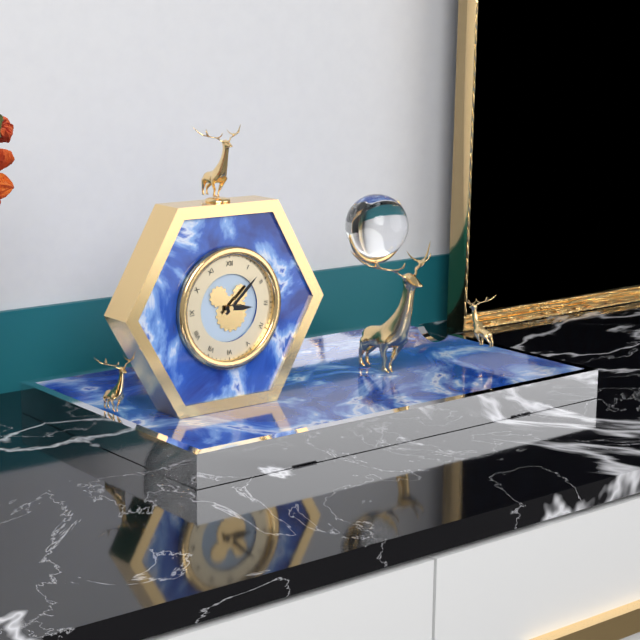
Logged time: 3,08
